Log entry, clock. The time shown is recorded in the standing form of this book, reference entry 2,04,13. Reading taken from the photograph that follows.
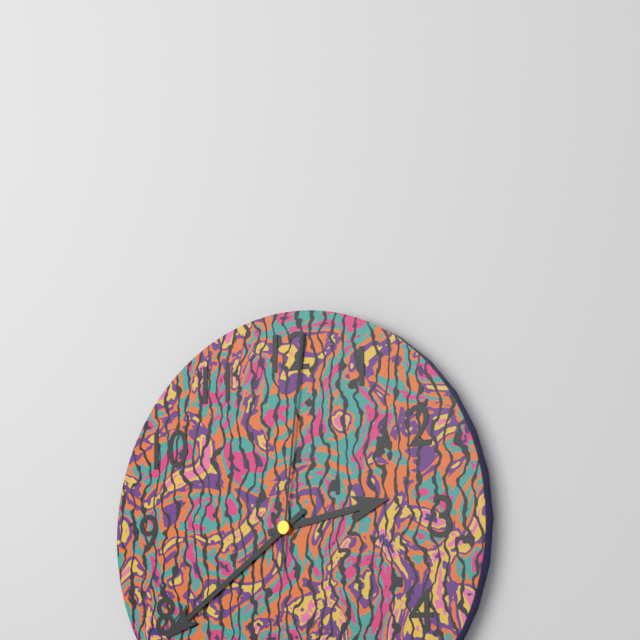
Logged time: 2,39,01
